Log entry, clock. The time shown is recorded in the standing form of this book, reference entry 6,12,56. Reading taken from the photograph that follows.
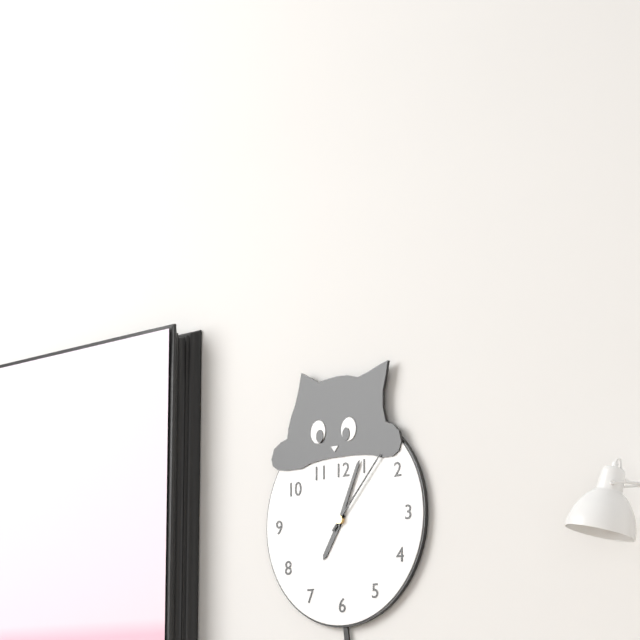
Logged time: 7,04,07
